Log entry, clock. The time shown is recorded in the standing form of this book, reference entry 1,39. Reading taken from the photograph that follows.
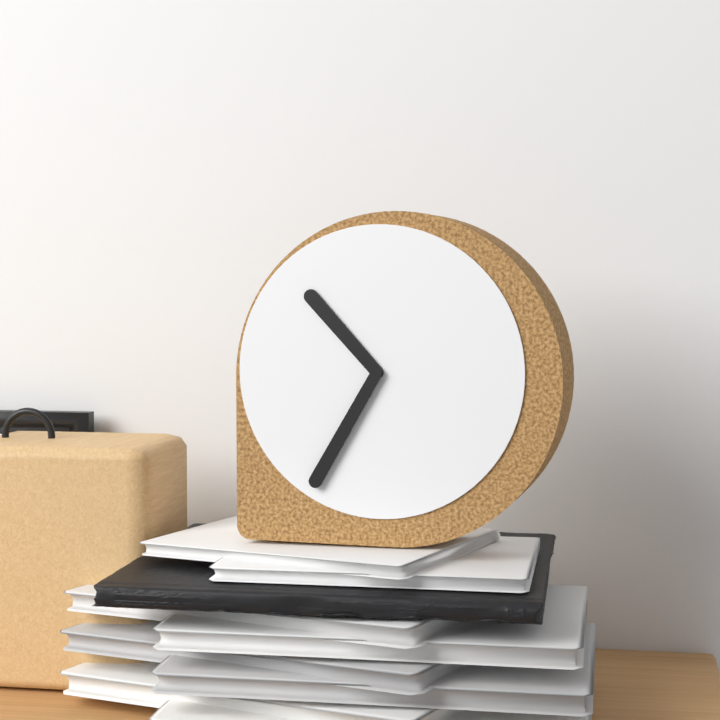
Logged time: 10,35
